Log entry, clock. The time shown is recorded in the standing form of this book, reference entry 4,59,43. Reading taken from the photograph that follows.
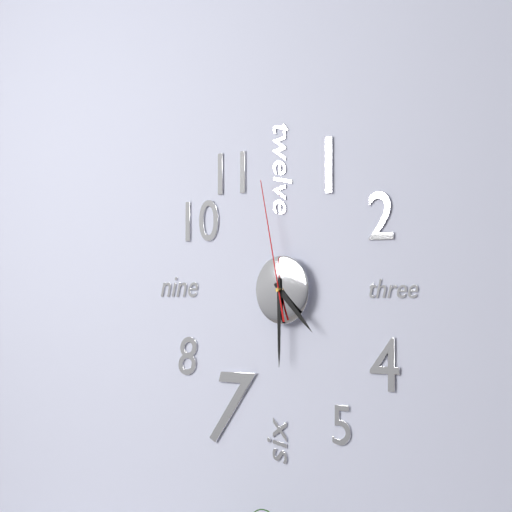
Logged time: 4,30,58
